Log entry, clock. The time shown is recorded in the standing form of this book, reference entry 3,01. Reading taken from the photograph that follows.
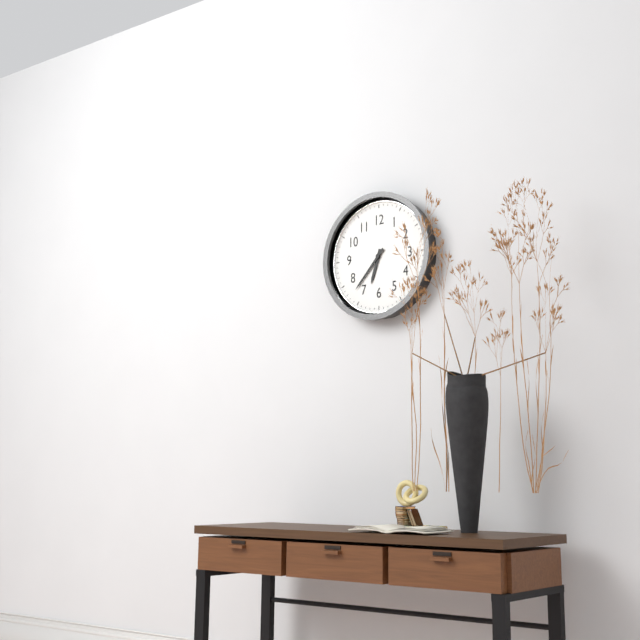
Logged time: 6,37
